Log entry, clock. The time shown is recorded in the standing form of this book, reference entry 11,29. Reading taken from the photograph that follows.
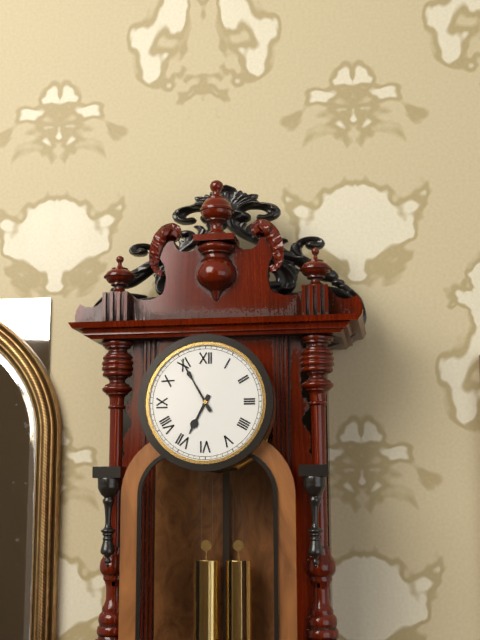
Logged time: 6,55
